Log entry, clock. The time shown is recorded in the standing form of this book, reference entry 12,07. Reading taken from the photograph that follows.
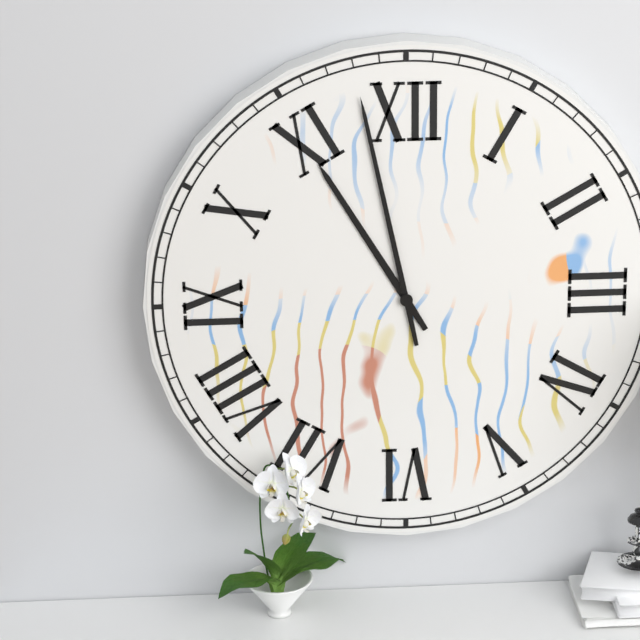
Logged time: 10,58
